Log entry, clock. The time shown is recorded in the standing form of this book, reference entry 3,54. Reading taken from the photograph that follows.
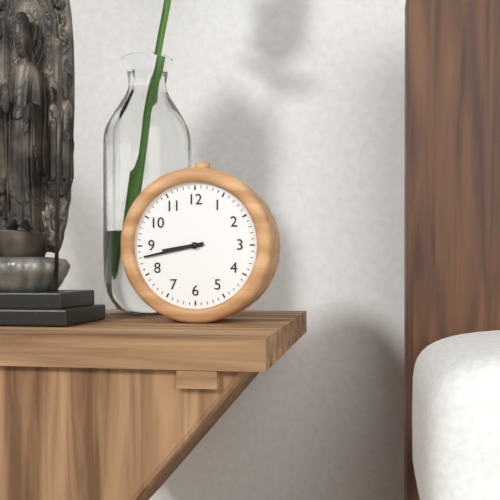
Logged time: 8,43
